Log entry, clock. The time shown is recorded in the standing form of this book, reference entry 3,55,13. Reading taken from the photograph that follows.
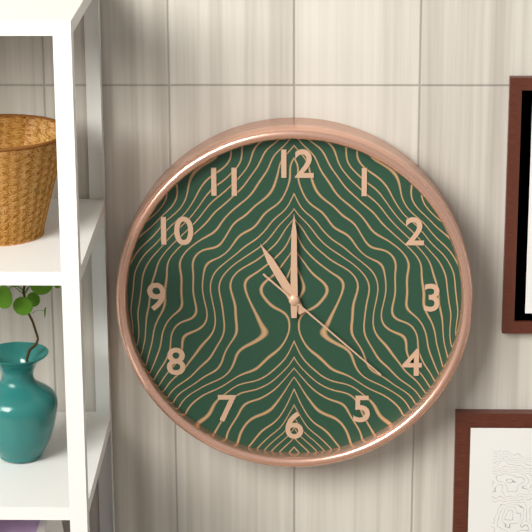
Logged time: 11,00,22
